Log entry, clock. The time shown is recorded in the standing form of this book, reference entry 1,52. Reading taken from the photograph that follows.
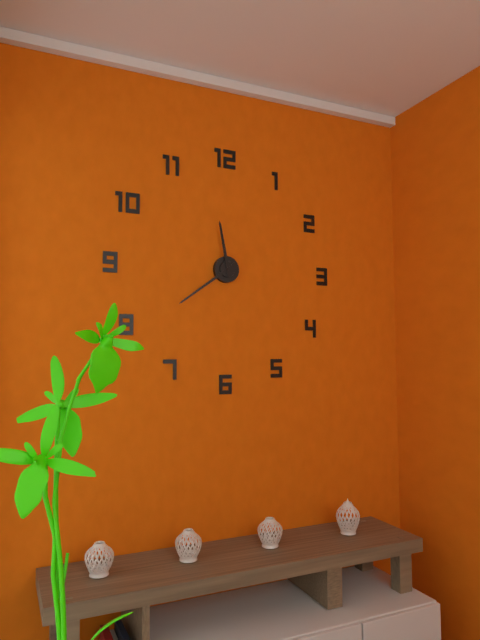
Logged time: 11,39
